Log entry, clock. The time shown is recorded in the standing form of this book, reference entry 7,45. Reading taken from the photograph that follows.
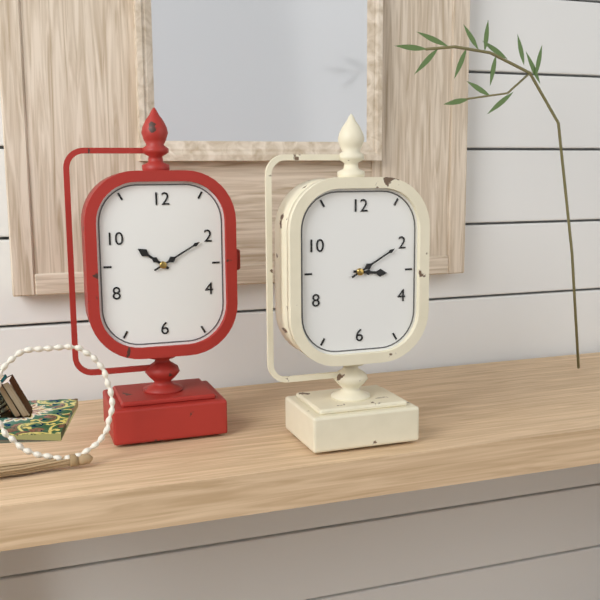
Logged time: 3,10
